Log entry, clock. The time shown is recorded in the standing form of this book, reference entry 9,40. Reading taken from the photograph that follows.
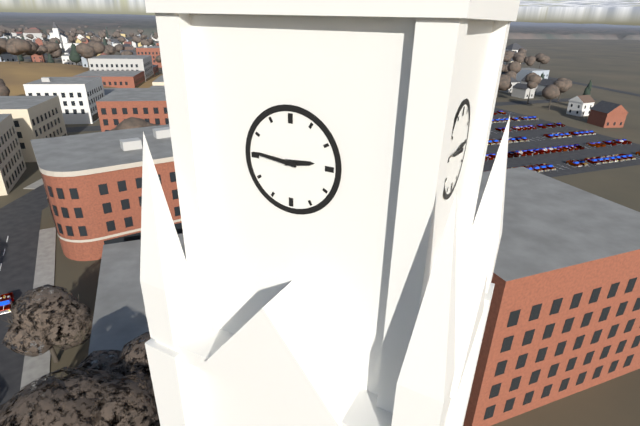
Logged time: 2,46
